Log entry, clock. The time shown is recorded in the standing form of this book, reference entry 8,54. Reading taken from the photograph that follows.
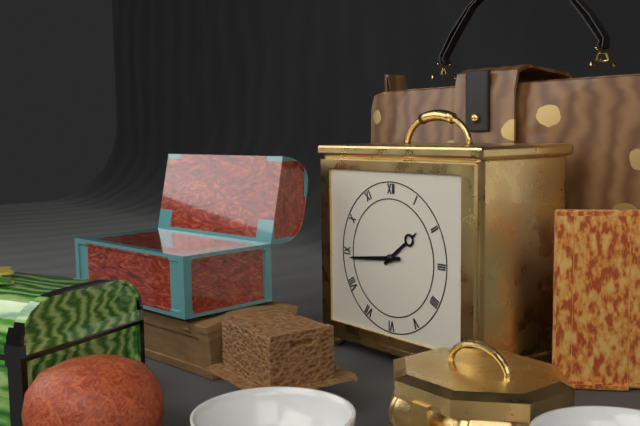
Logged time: 1,44
